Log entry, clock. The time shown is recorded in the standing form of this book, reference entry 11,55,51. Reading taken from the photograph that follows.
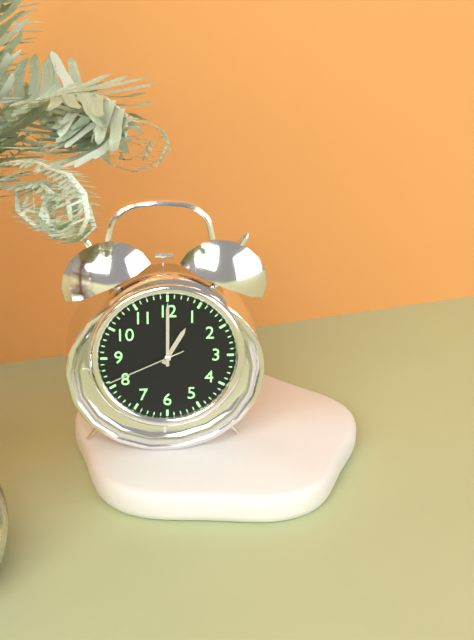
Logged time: 1,00,41
